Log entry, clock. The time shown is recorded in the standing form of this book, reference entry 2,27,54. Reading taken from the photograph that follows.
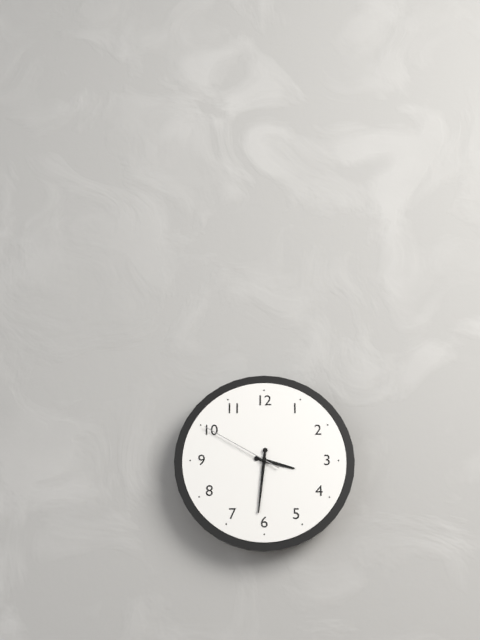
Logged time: 3,31,50
